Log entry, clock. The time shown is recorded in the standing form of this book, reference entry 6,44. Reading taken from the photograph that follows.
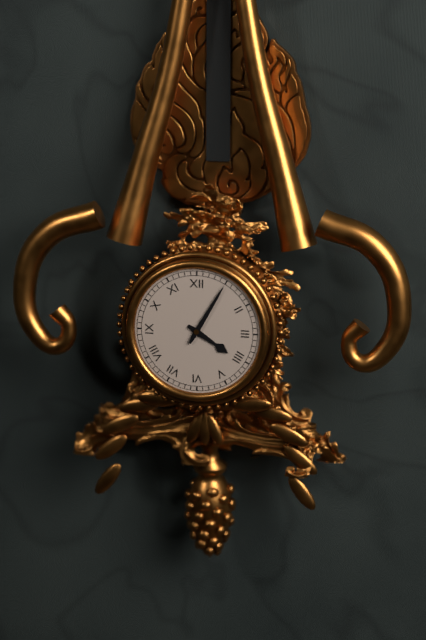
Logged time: 4,05
